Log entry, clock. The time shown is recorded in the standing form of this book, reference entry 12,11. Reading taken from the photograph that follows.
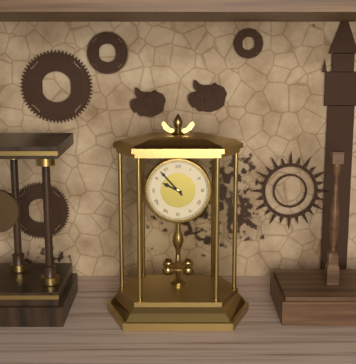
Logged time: 9,53
